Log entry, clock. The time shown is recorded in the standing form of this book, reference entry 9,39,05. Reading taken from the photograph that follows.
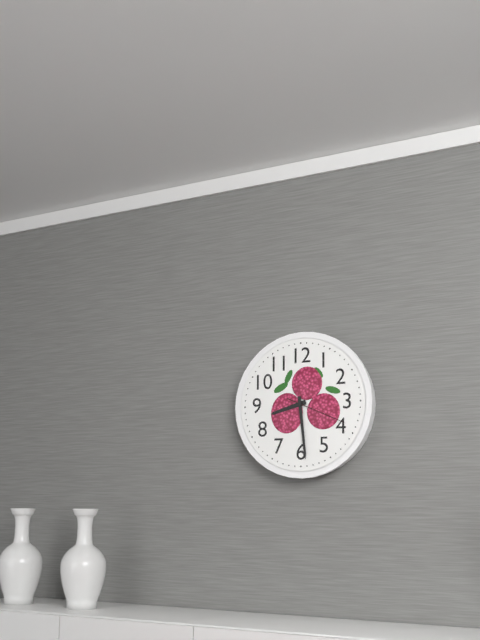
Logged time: 8,29,19
